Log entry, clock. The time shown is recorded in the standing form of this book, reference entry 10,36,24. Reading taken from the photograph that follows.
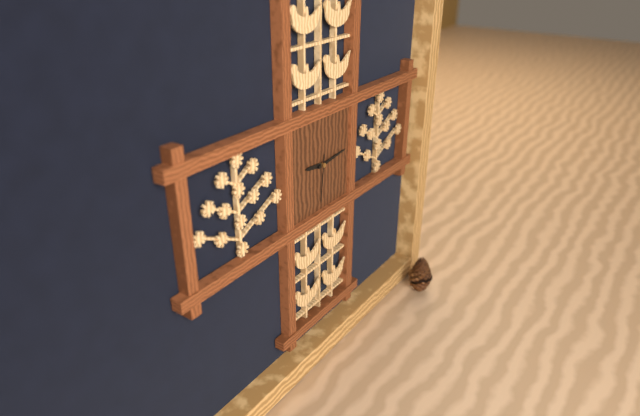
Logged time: 9,14,31
